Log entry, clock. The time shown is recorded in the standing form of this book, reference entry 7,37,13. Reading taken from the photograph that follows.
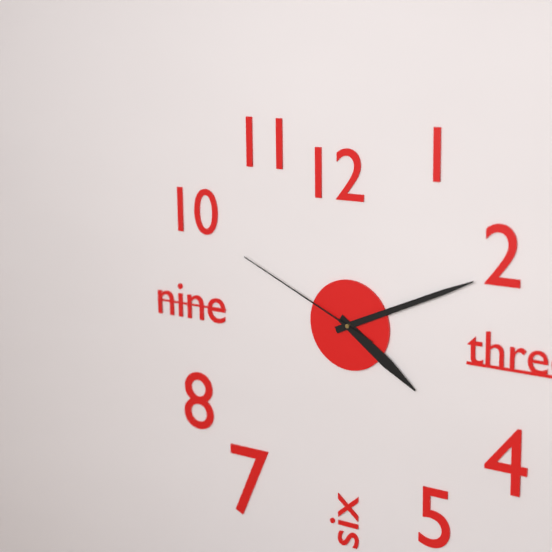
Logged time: 4,11,49
